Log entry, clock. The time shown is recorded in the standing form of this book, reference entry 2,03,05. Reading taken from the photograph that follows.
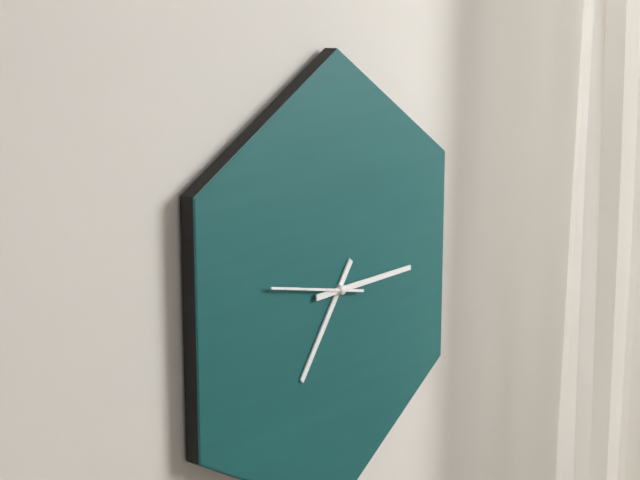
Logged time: 7,15,47
